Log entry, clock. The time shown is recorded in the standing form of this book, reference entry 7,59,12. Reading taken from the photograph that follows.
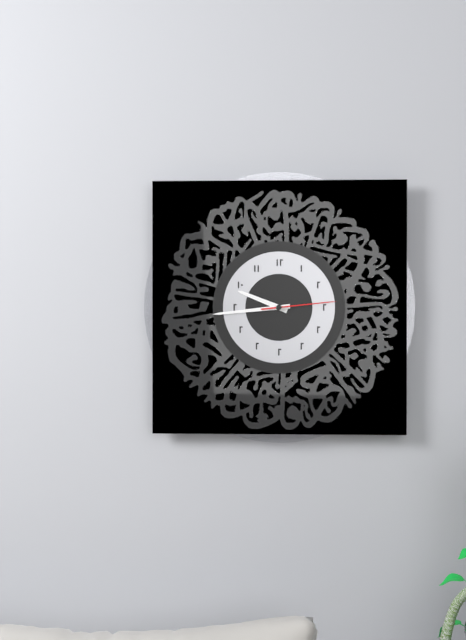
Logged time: 9,44,14
